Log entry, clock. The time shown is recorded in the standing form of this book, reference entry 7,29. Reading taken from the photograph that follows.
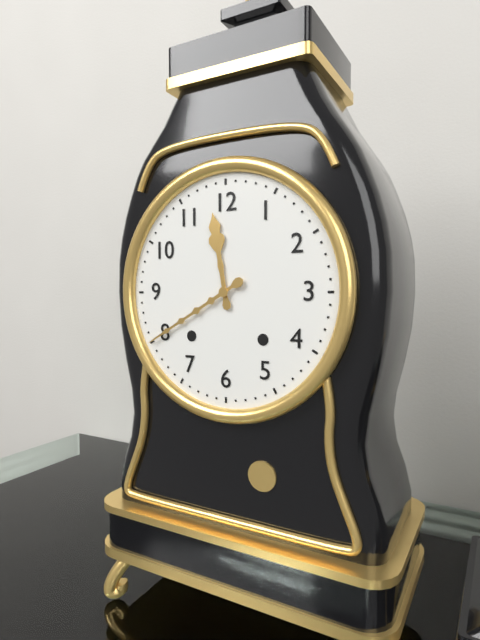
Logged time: 11,40
